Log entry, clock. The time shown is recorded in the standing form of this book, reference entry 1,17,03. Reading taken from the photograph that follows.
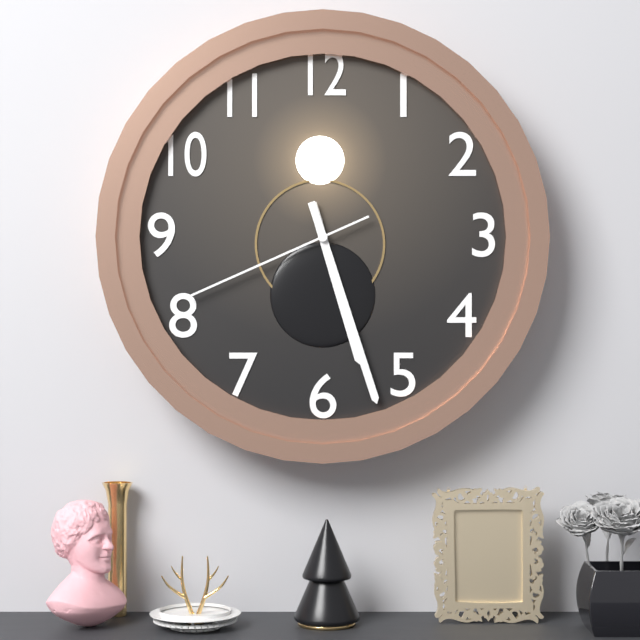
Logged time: 5,27,41
